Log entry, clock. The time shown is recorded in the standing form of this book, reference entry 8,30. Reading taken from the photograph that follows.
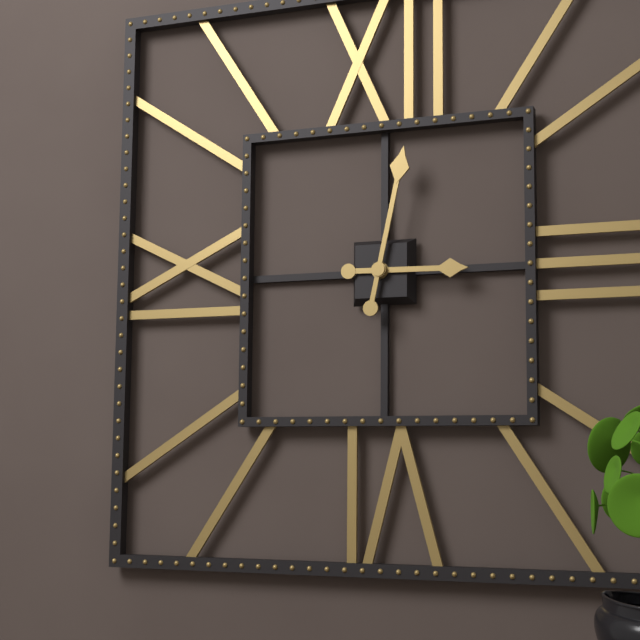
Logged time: 3,02
